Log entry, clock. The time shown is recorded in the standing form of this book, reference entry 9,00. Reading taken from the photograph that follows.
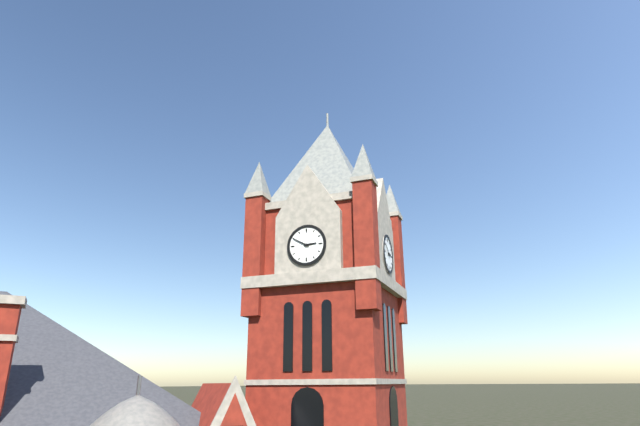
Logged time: 2,50
